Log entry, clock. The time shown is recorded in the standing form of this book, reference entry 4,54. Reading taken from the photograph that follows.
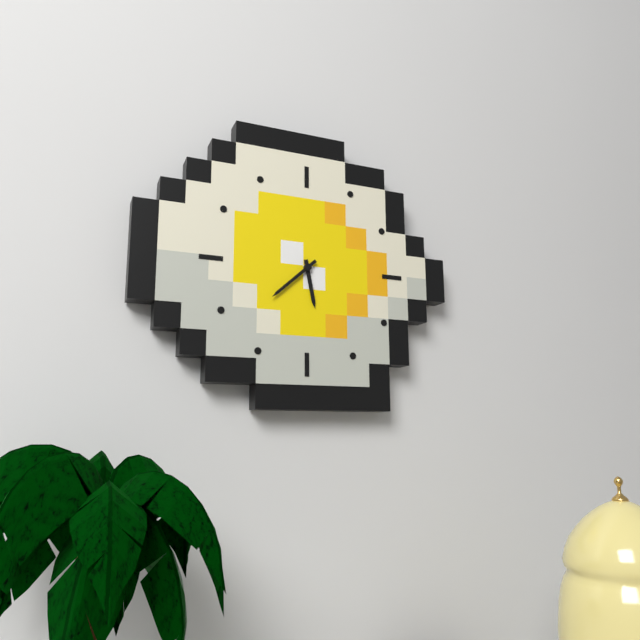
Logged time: 5,38
